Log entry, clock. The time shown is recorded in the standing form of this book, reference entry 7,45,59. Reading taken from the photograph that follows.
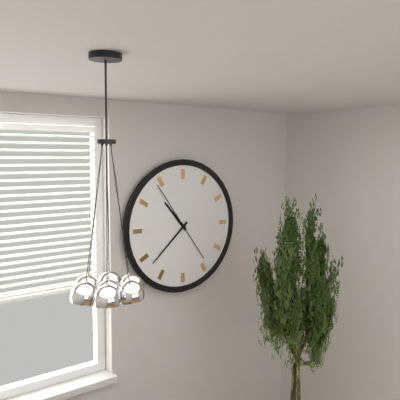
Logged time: 10,38,54
